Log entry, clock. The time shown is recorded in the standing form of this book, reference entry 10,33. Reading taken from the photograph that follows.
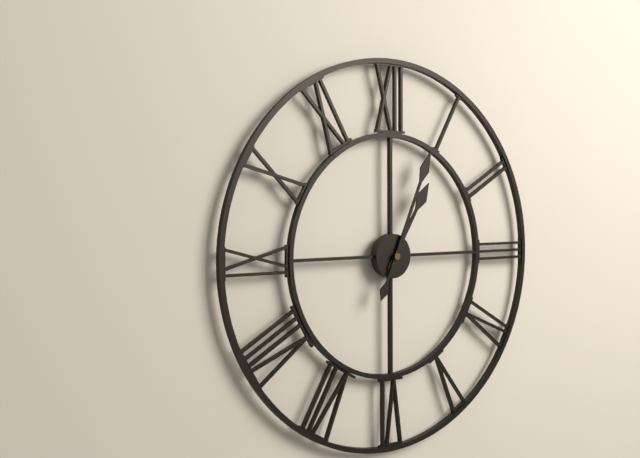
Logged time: 1,04
